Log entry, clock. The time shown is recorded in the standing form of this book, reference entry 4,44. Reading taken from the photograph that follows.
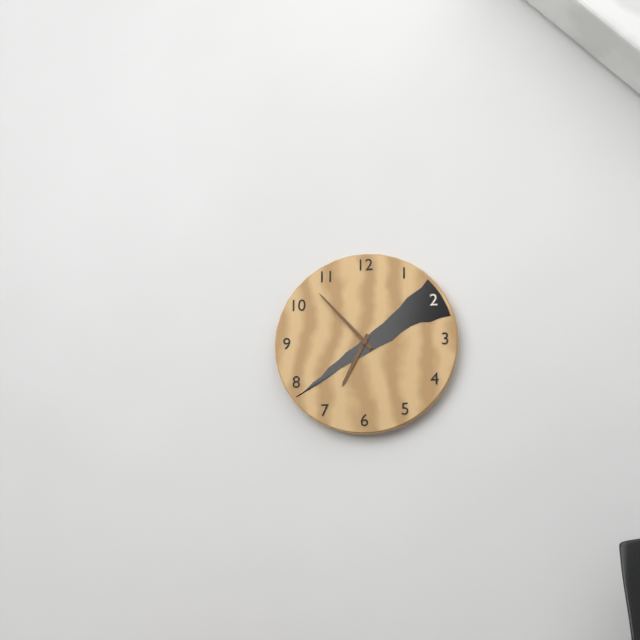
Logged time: 6,53
